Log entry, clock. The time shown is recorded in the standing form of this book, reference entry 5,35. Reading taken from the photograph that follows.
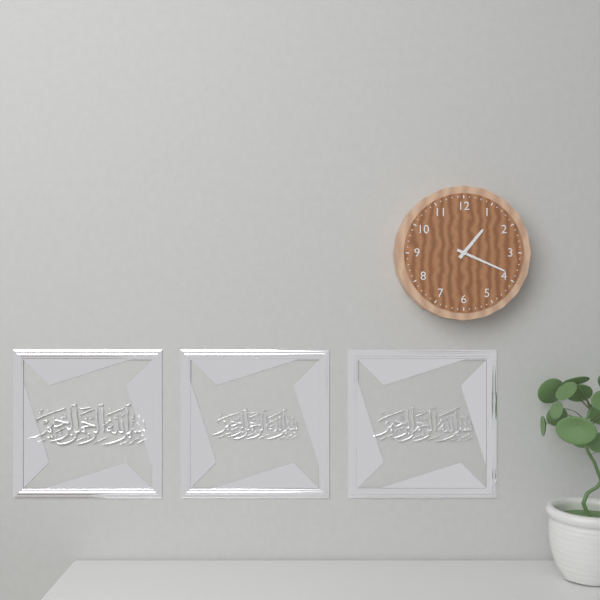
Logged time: 1,19
